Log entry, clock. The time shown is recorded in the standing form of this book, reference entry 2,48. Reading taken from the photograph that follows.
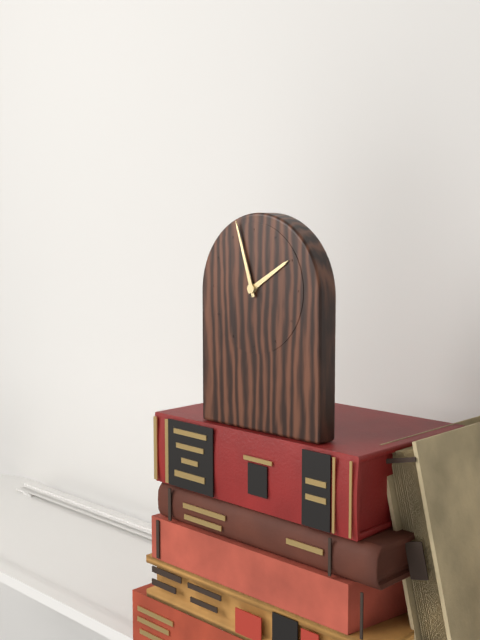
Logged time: 1,57
